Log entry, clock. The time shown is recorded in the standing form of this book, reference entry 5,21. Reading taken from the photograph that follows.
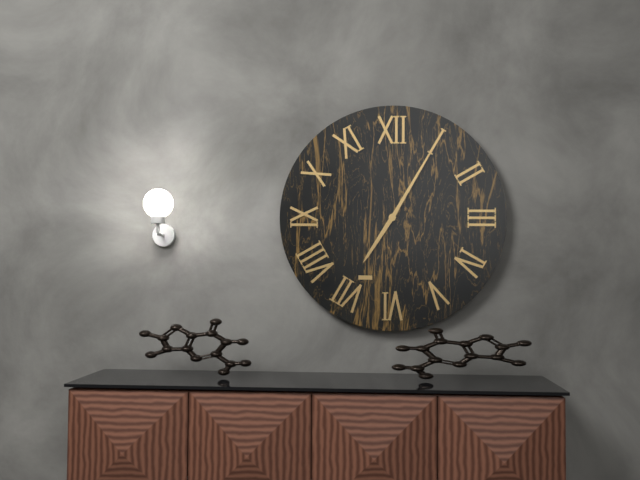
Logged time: 7,05
